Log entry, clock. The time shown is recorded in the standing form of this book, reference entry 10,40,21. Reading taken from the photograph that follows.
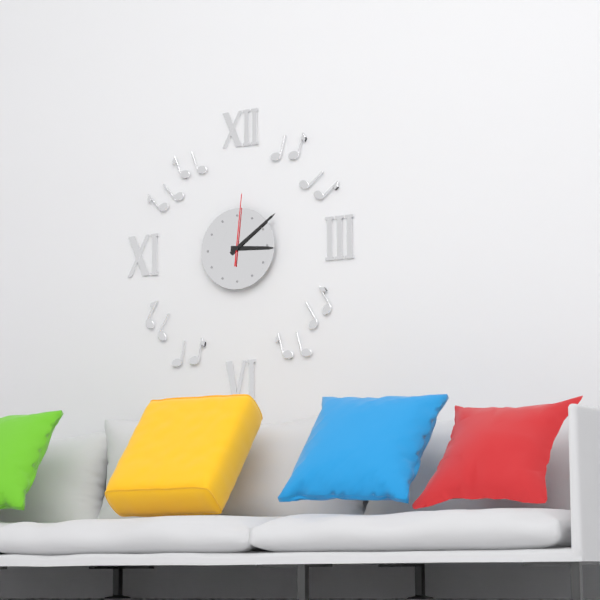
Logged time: 3,09,01
